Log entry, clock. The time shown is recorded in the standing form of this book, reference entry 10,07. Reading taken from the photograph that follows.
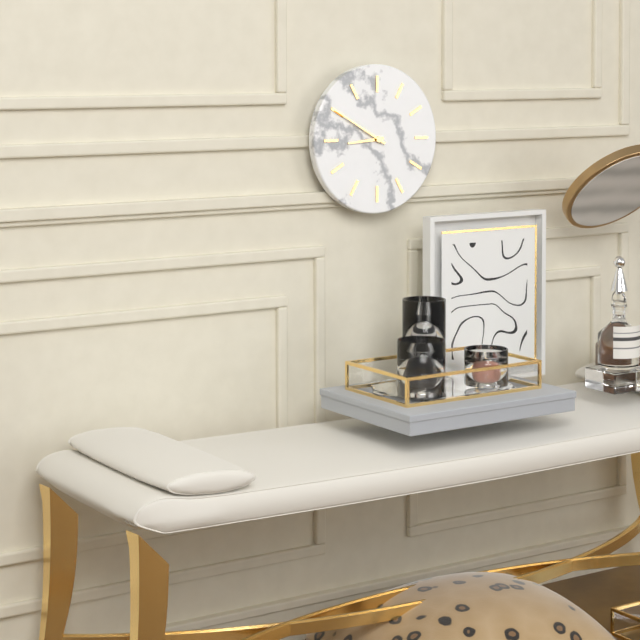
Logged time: 8,50
